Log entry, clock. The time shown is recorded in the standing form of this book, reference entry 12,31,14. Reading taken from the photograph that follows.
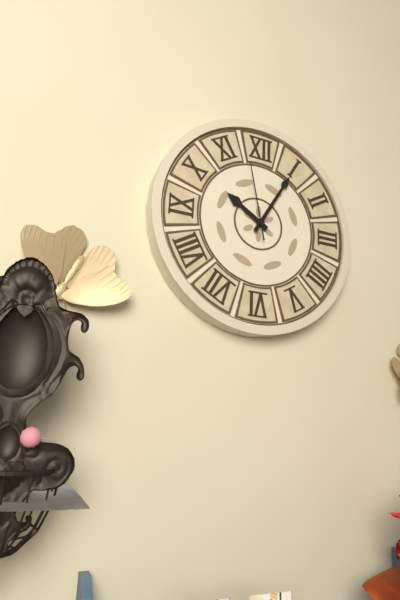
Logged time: 10,05,58
